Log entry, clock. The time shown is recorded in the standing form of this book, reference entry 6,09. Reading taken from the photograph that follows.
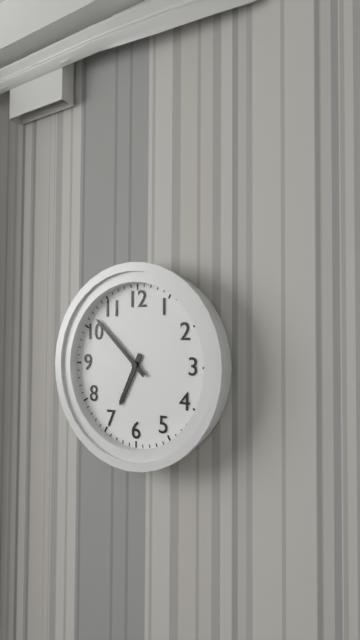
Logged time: 6,52
